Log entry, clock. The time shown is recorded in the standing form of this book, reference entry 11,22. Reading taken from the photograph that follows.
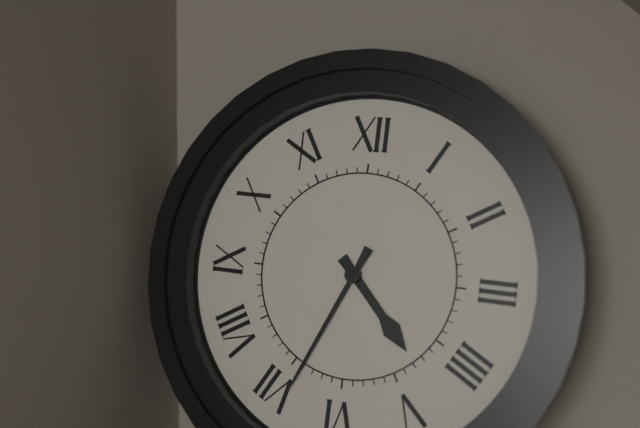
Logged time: 4,34
